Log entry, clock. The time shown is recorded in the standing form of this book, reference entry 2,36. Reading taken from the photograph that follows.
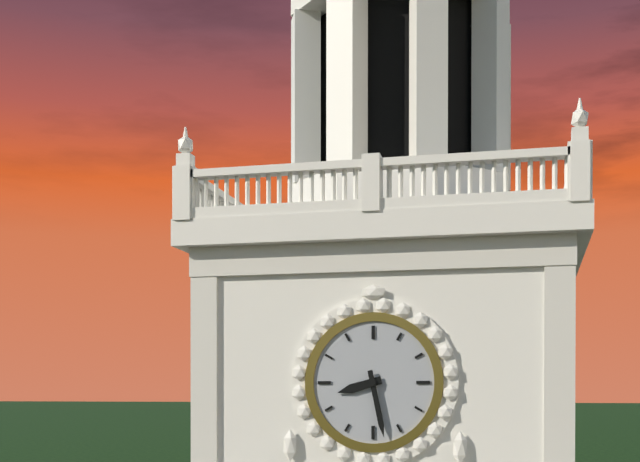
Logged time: 8,28
